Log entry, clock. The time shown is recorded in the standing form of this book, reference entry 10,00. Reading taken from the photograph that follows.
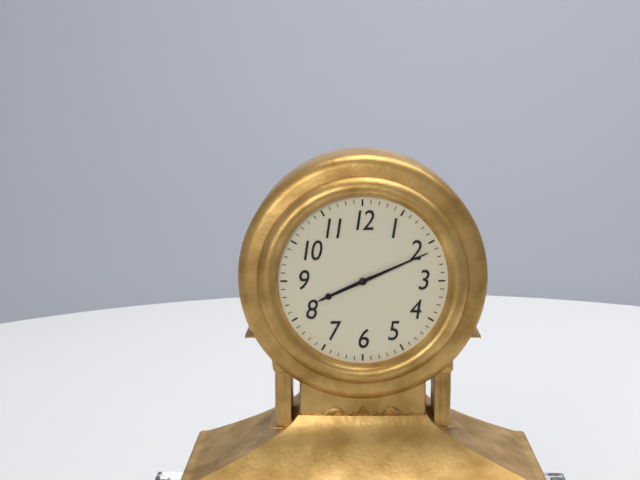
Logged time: 8,11
